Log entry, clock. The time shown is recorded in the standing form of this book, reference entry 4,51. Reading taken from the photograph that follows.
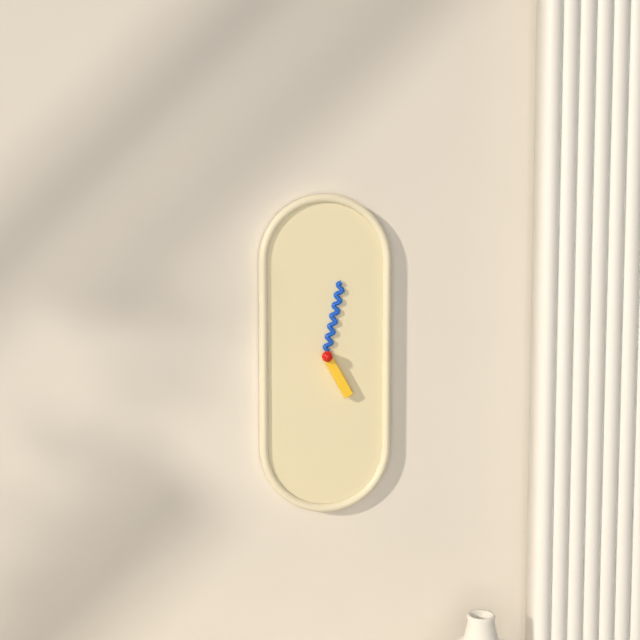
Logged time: 5,02
